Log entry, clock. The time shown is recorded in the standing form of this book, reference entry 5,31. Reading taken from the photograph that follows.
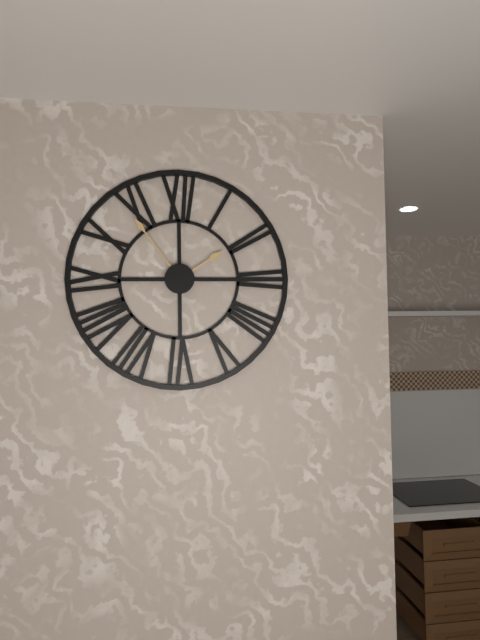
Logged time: 1,54
